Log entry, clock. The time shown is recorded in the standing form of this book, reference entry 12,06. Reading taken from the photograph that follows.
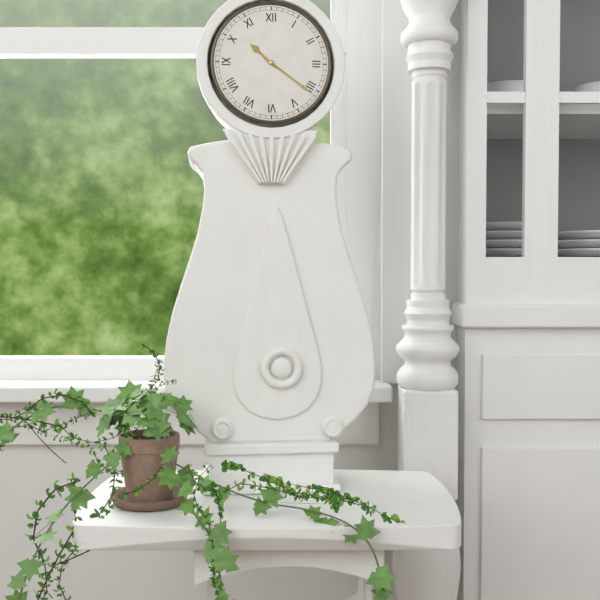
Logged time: 10,21
